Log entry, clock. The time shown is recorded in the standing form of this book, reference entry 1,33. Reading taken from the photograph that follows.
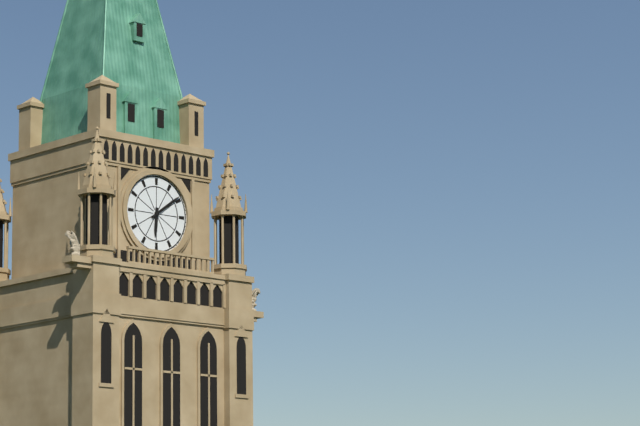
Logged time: 6,09
